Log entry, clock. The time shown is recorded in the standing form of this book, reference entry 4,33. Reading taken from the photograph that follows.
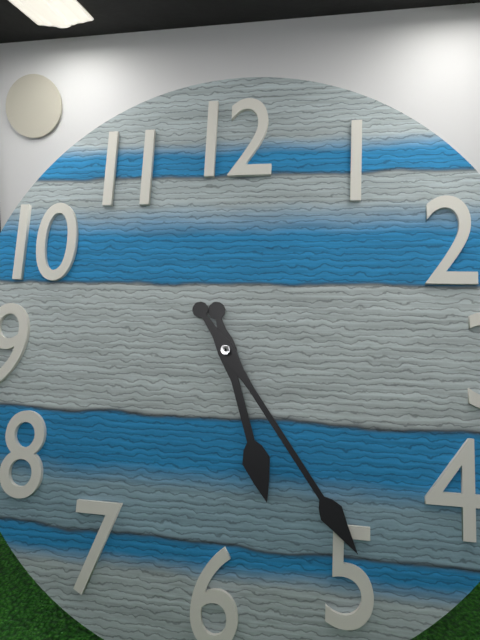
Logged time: 5,24
